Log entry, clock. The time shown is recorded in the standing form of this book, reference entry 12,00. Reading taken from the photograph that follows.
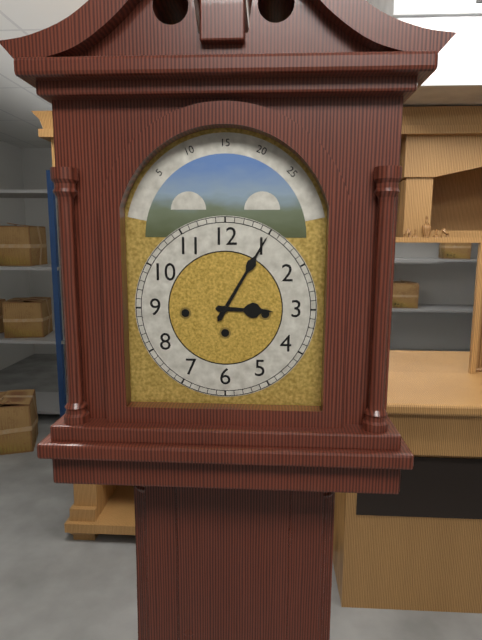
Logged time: 3,05
